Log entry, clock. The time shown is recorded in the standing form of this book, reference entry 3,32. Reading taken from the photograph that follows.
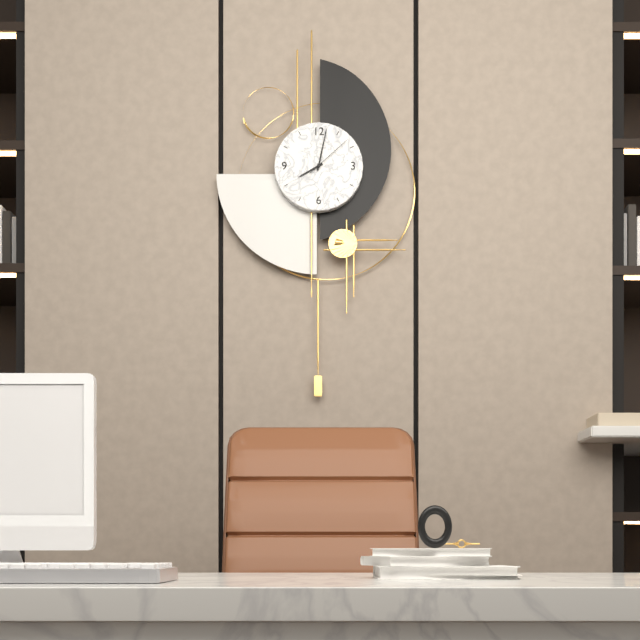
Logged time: 8,02
